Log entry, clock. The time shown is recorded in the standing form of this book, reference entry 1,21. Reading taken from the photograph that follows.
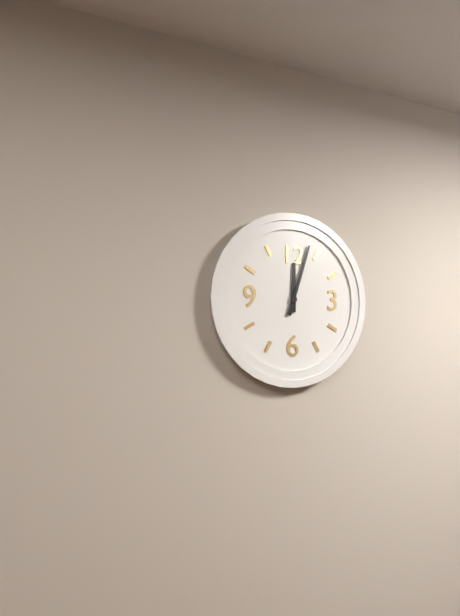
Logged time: 12,03
